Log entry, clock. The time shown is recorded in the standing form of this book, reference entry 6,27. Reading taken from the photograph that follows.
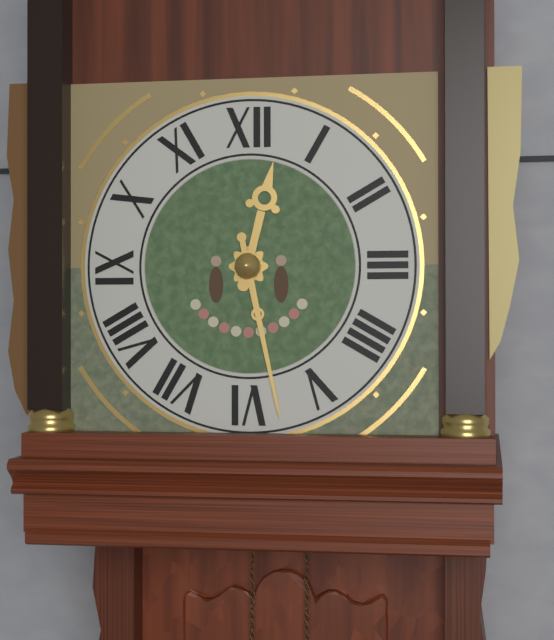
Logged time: 12,28
